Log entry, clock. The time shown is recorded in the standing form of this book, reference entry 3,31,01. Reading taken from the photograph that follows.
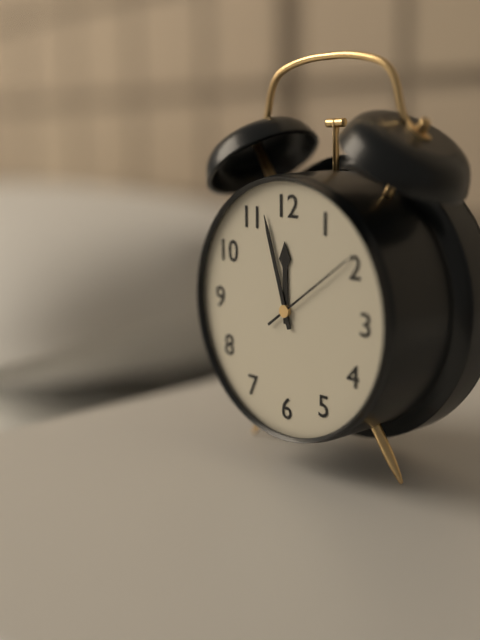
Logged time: 11,57,09
